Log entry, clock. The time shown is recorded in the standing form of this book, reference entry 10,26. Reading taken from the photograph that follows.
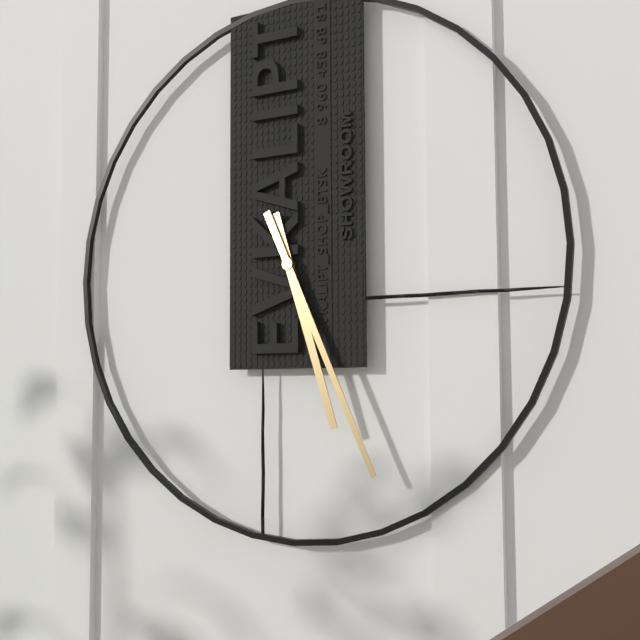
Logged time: 5,26
